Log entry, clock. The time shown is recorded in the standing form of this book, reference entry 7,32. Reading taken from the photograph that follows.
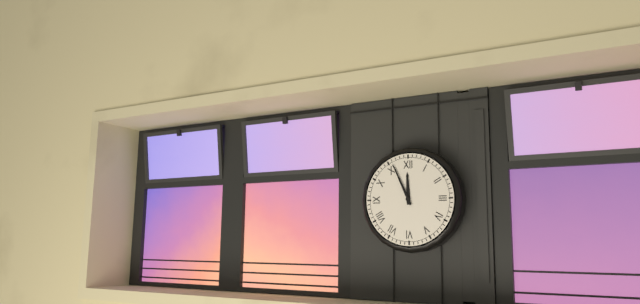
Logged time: 11,56
